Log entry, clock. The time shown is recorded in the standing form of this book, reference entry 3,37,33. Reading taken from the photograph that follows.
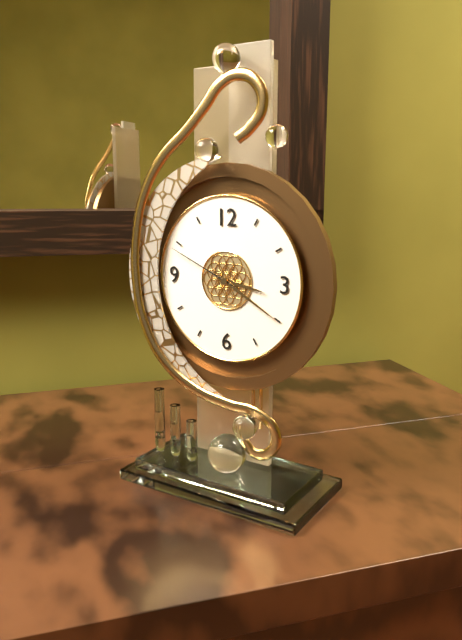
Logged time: 3,20,49
